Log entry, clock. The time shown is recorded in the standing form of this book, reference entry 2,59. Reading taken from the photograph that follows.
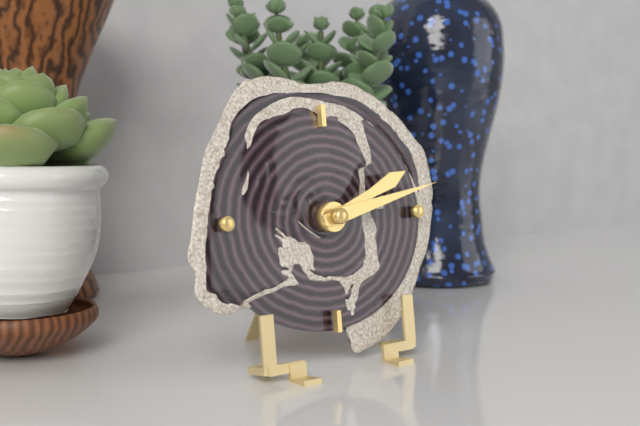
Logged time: 2,13
